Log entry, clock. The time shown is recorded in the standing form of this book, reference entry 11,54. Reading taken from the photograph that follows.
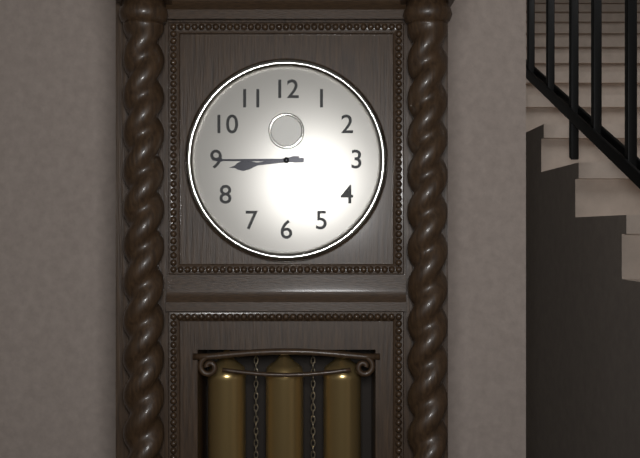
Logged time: 8,45
